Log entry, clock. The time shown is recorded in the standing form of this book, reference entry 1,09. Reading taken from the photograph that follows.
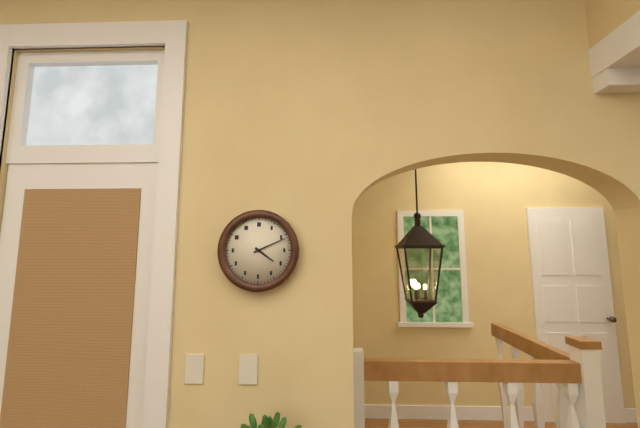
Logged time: 4,11
